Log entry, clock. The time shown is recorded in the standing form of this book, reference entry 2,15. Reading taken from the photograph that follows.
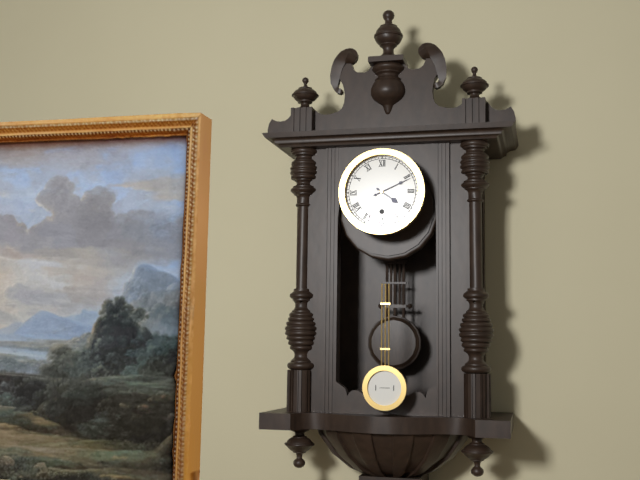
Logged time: 4,11
